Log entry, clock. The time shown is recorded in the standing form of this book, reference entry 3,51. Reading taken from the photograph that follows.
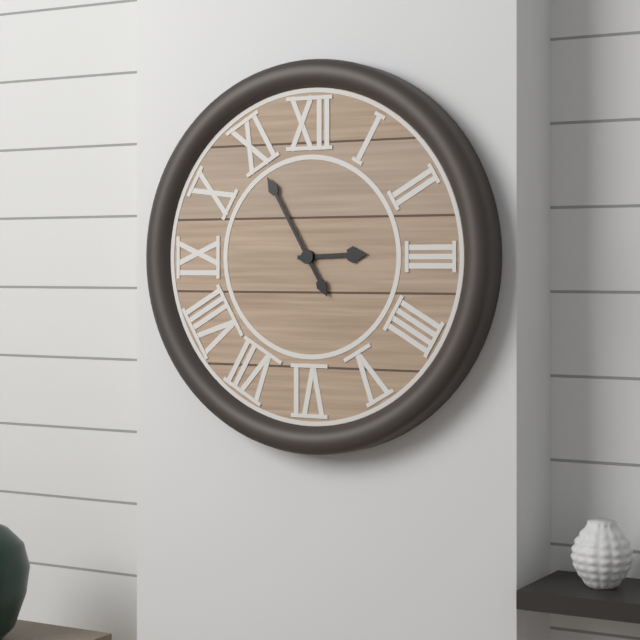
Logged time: 2,55
